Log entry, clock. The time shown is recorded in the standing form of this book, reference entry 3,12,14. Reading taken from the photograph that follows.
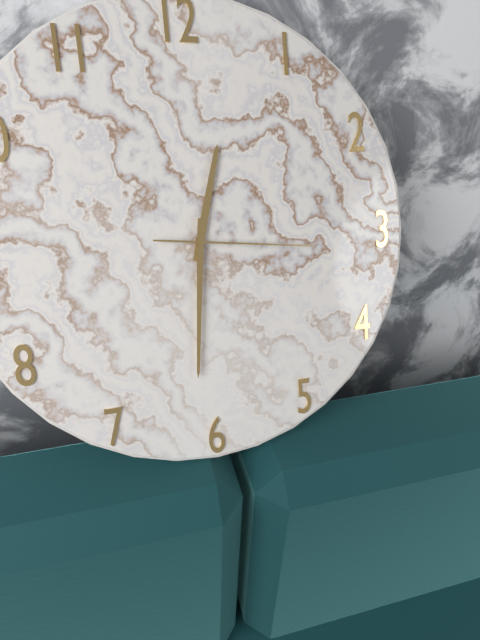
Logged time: 12,31,16
